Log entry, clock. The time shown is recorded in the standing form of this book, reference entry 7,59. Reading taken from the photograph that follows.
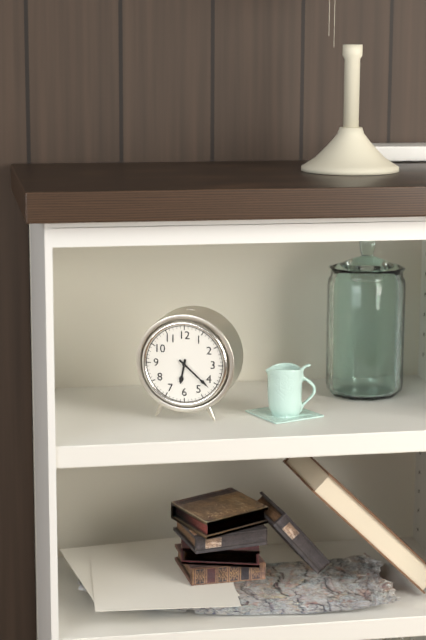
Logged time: 6,22
